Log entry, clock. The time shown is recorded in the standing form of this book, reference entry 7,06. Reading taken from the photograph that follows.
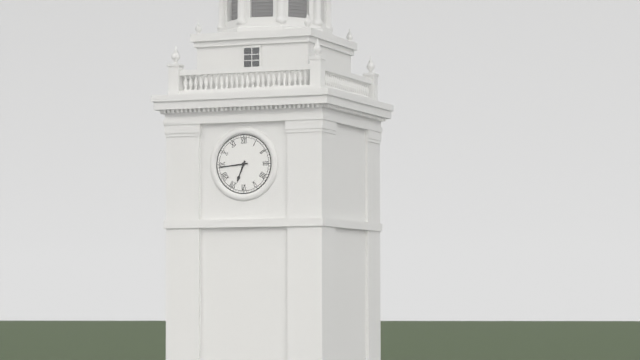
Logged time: 6,44
